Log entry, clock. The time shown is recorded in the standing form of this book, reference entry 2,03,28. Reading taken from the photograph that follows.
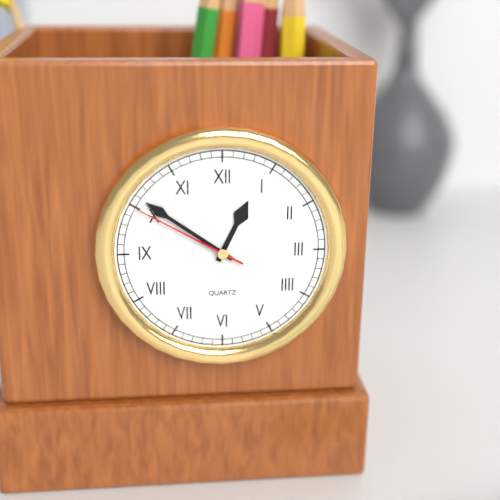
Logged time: 12,51,50
